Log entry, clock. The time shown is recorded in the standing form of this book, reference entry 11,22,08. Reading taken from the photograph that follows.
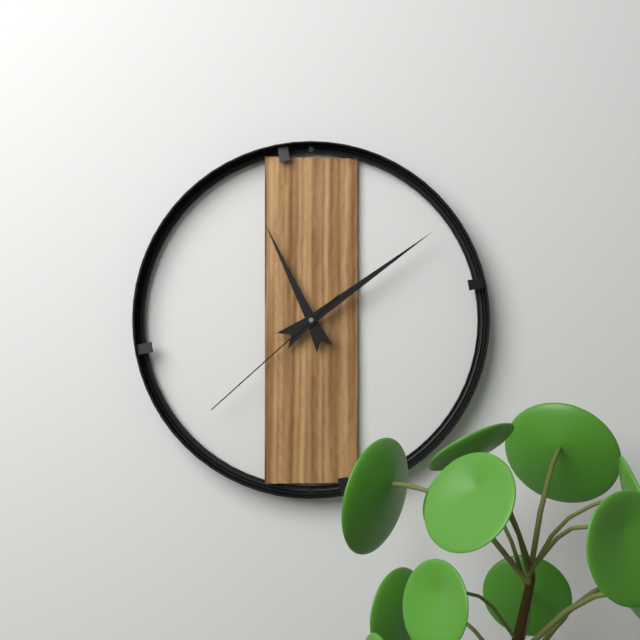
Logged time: 11,09,38
